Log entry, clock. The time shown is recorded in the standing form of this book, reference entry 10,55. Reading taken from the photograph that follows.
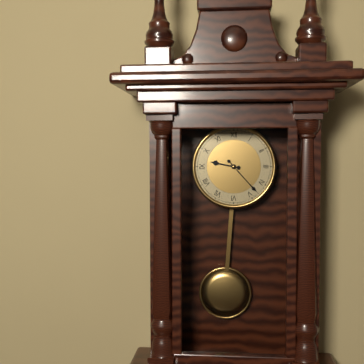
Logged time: 9,23
